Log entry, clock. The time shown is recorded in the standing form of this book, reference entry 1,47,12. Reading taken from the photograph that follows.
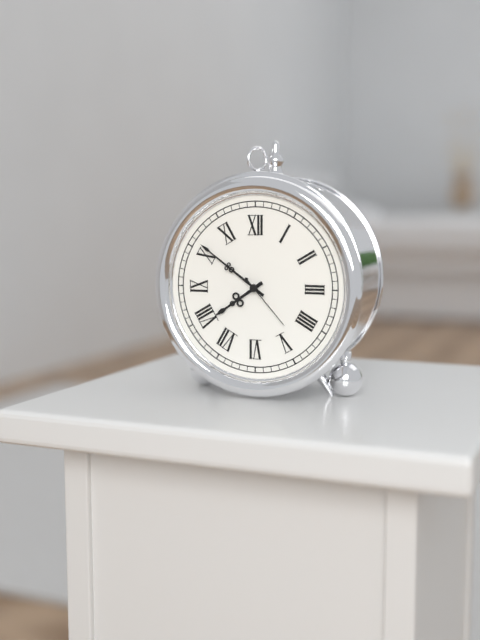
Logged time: 7,51,23
